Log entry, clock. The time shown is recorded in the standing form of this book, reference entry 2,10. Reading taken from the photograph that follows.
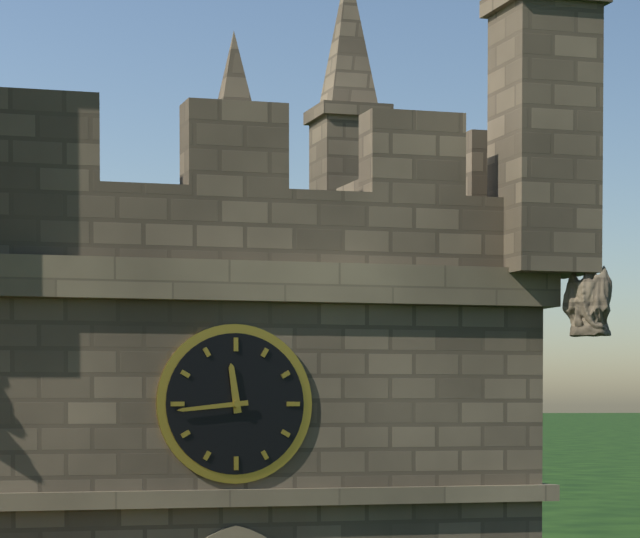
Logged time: 11,44
